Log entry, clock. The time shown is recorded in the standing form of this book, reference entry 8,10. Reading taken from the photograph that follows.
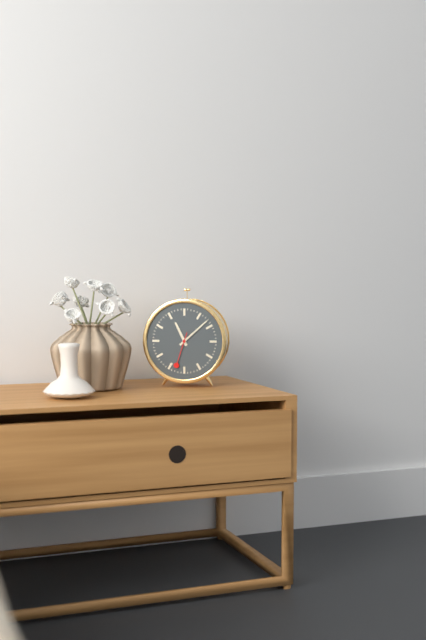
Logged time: 11,08
